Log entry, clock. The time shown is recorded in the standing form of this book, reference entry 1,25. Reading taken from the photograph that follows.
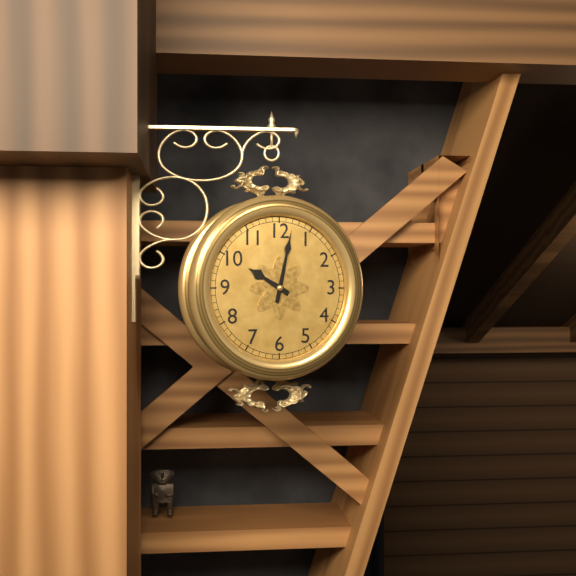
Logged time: 10,02
